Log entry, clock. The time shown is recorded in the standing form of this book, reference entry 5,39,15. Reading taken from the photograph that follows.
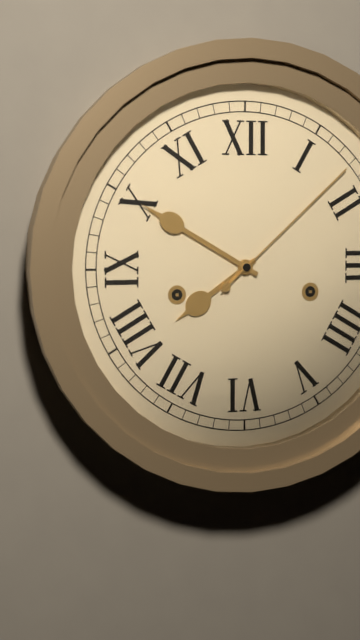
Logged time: 7,50,08
